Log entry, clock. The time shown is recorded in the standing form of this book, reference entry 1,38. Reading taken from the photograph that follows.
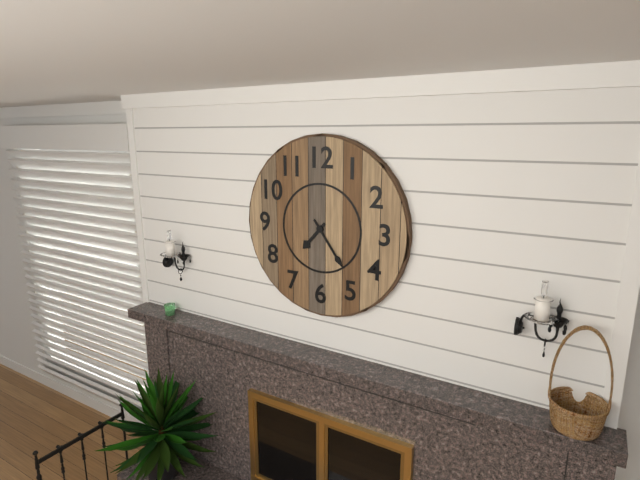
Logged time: 7,24
